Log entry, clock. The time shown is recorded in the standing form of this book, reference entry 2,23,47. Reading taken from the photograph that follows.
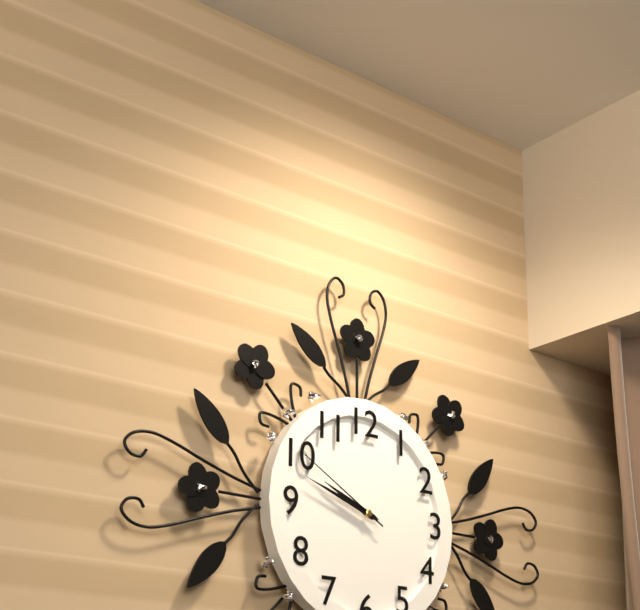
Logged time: 9,48,50
